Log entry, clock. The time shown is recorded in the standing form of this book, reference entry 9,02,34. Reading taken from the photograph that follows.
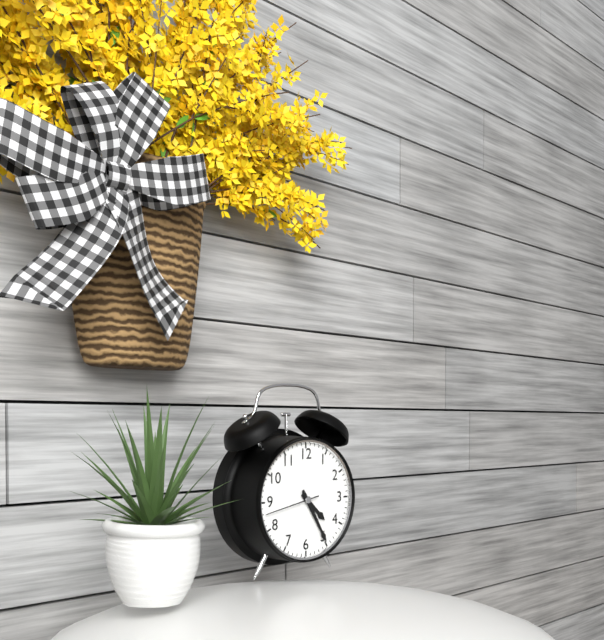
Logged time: 4,25,43
